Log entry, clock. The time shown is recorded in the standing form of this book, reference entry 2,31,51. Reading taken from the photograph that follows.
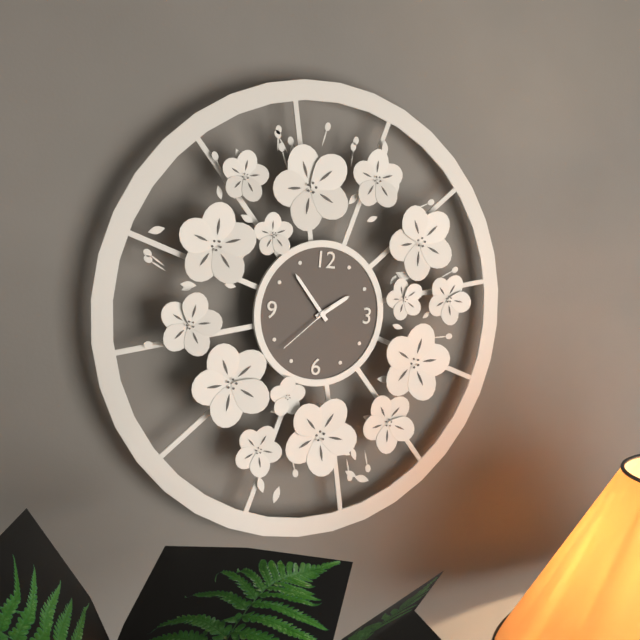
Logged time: 1,53,38
